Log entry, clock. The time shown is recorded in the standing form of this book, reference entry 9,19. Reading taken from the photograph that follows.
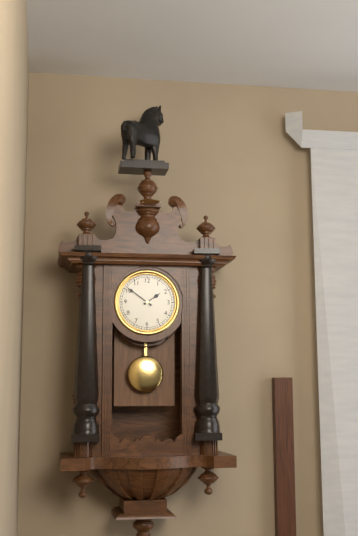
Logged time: 1,51
